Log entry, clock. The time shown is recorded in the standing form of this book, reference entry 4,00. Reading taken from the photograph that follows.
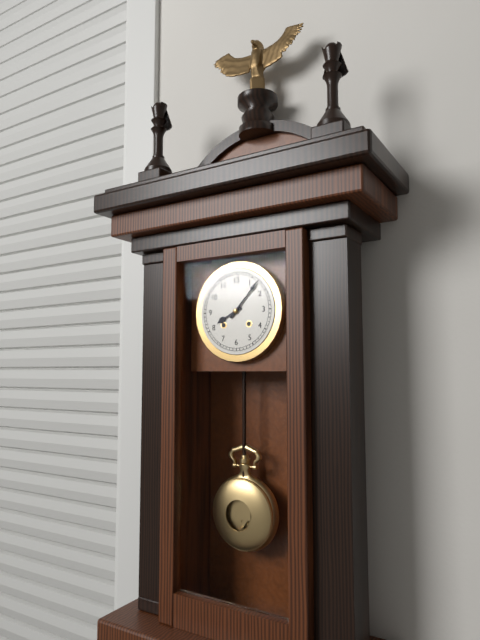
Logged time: 8,07
